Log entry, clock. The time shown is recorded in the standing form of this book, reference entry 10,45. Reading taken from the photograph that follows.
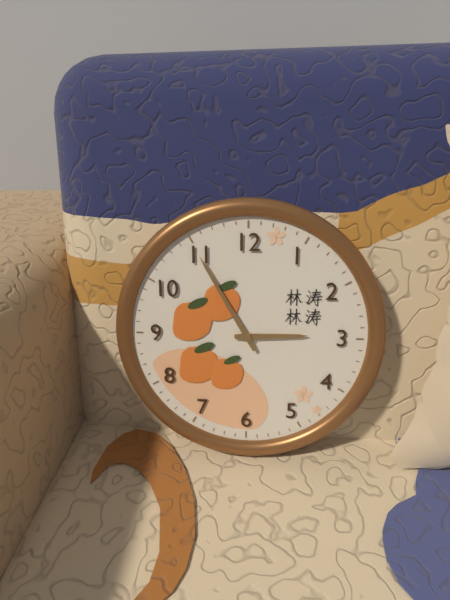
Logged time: 2,55
